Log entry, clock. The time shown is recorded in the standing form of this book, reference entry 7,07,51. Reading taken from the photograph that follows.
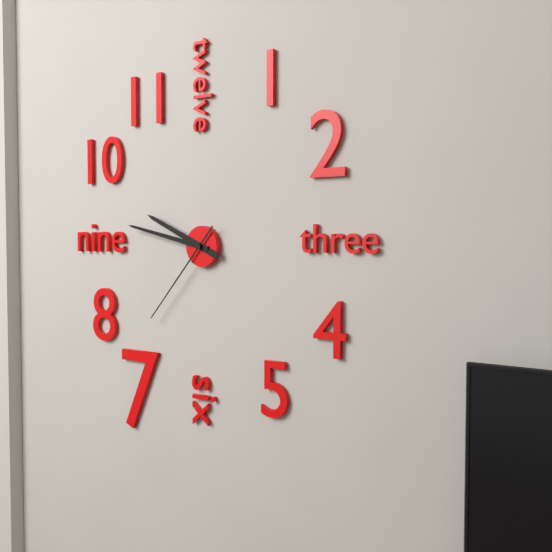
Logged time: 9,47,37
